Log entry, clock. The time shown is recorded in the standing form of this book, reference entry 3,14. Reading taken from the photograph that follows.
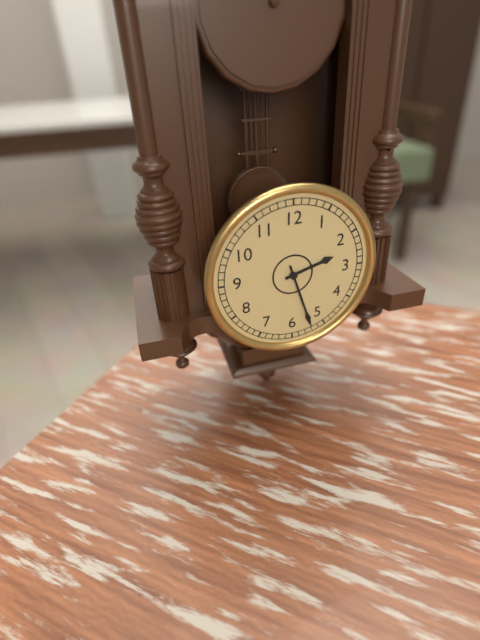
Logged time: 2,27
